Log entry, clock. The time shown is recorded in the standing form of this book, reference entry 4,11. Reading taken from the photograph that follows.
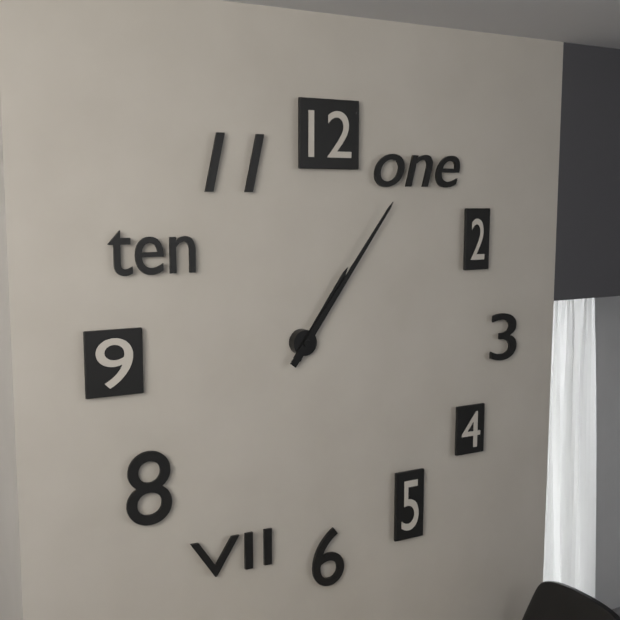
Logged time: 1,06
